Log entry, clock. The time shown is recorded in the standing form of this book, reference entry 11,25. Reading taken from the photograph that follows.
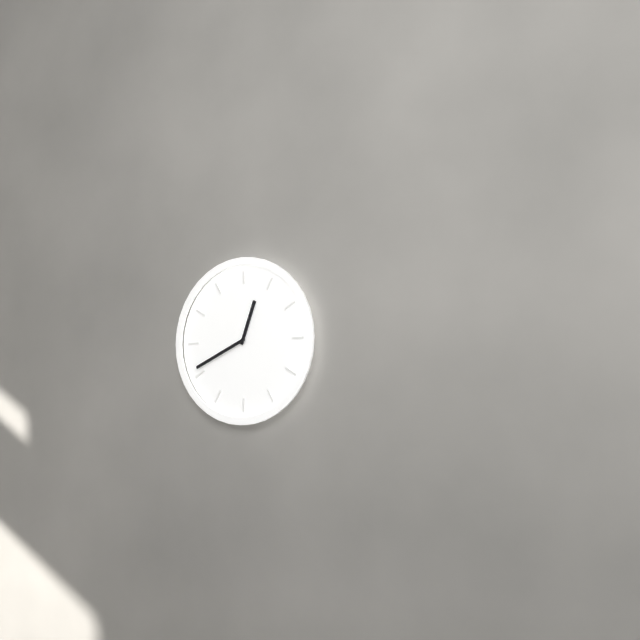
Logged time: 12,41
